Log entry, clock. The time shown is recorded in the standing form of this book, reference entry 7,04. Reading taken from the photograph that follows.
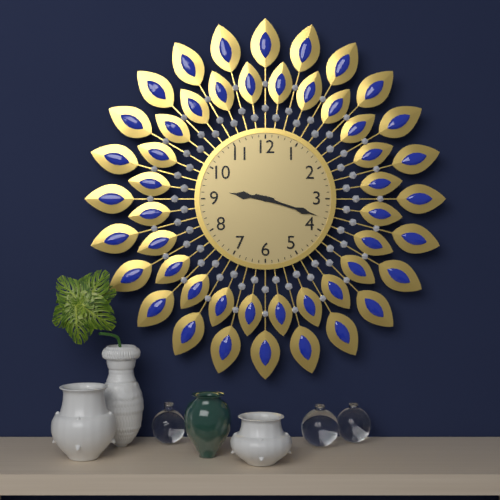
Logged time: 9,18
